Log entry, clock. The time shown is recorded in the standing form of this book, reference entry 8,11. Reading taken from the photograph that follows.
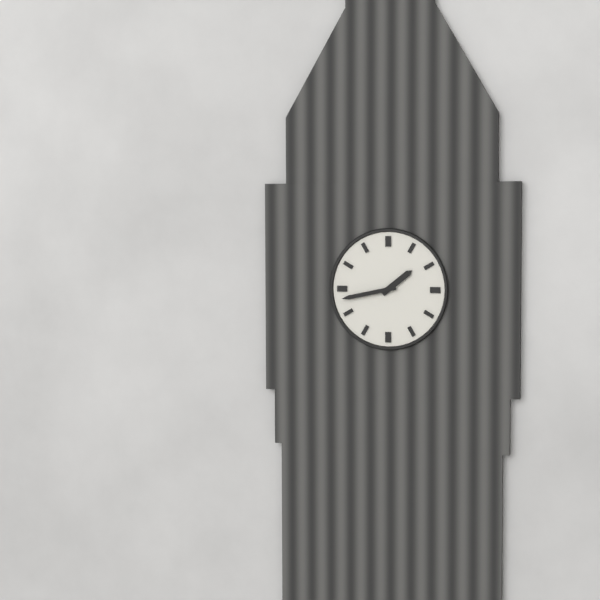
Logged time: 1,43
